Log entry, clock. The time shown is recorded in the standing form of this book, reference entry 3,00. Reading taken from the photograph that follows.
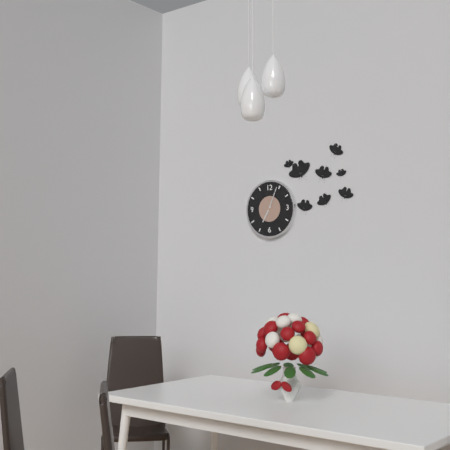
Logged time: 7,04
